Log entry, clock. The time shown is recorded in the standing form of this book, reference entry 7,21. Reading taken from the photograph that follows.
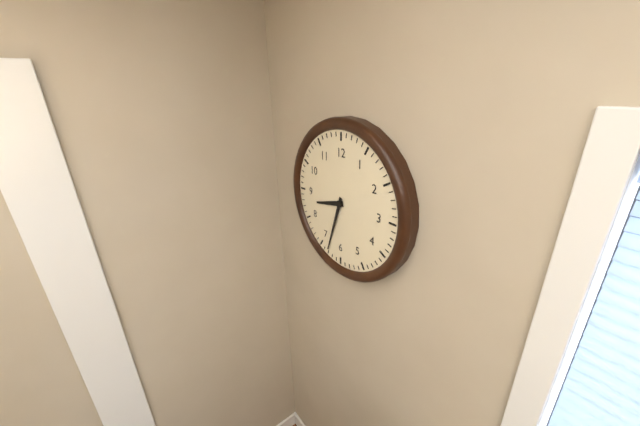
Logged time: 8,33
